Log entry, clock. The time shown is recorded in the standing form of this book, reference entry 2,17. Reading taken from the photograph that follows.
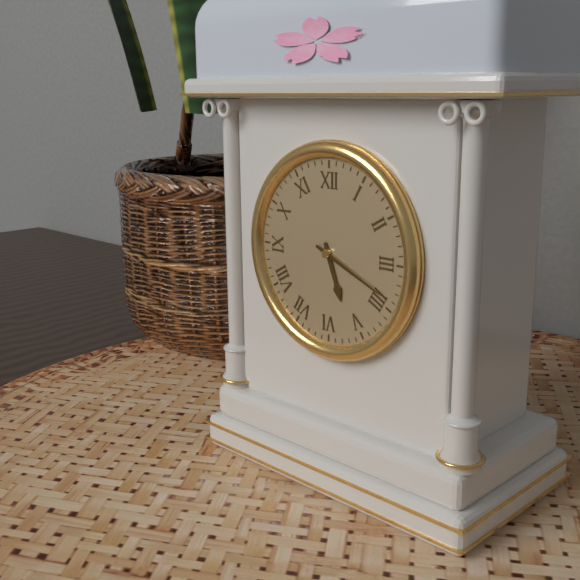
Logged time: 5,19
